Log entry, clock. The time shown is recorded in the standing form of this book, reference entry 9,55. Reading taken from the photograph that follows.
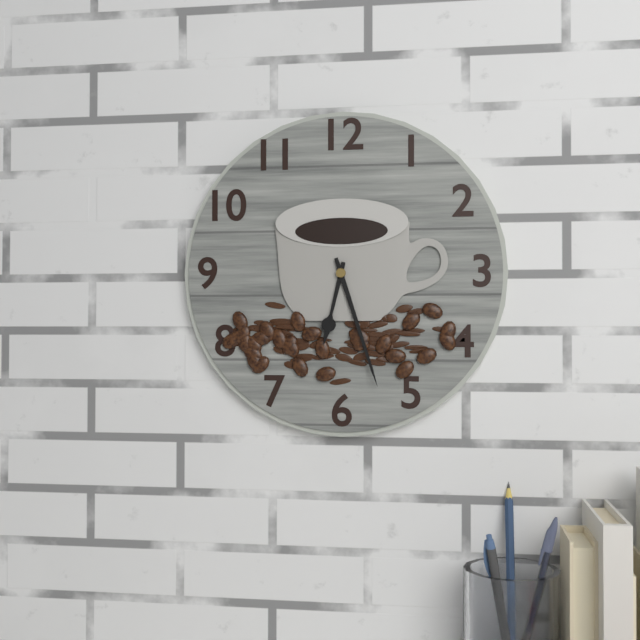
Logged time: 6,27
